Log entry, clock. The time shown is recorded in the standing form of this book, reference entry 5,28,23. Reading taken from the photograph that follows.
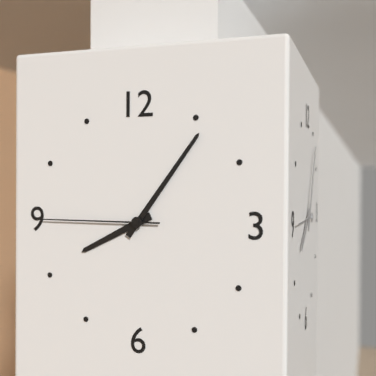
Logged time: 8,06,45
